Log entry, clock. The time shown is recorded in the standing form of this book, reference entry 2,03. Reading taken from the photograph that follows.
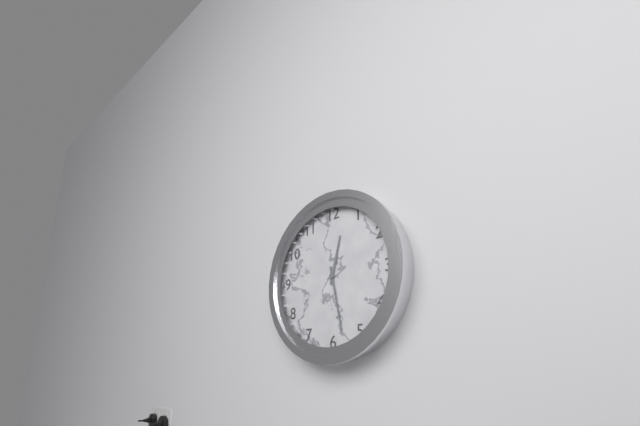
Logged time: 12,28
